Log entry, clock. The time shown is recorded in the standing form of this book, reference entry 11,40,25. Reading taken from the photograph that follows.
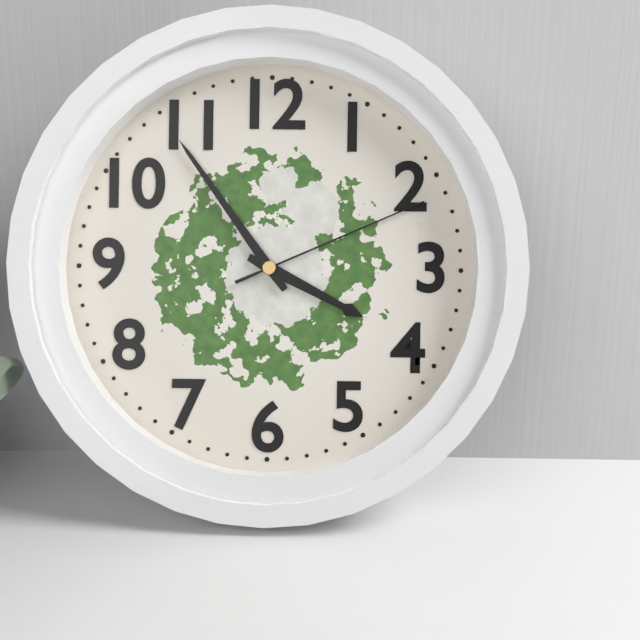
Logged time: 3,54,11
